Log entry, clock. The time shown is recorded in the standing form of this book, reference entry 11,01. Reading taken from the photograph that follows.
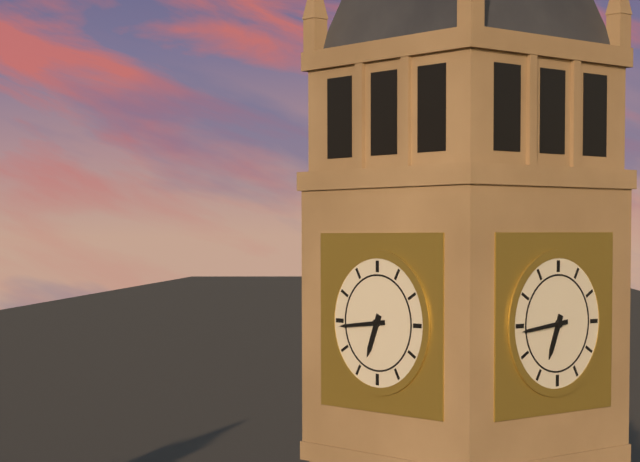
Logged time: 6,44
